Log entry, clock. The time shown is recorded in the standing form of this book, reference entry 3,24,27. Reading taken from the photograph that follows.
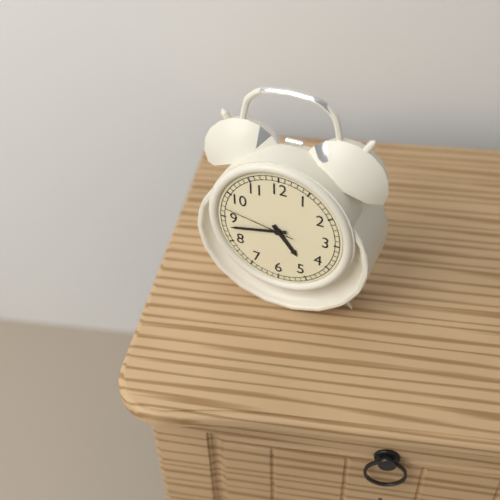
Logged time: 4,43,47
